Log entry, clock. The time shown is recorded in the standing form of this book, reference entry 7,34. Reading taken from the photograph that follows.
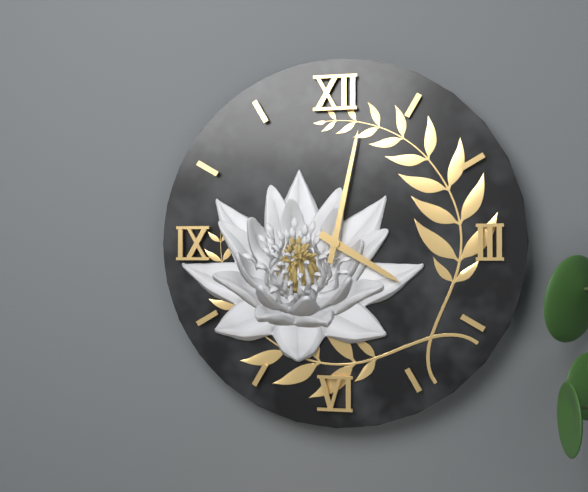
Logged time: 4,02
